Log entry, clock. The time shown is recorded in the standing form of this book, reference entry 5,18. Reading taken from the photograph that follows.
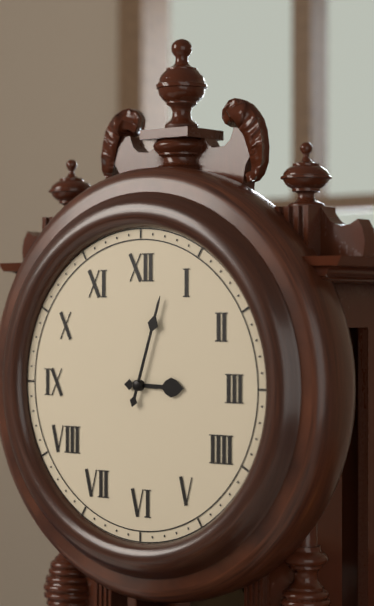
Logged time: 3,03
